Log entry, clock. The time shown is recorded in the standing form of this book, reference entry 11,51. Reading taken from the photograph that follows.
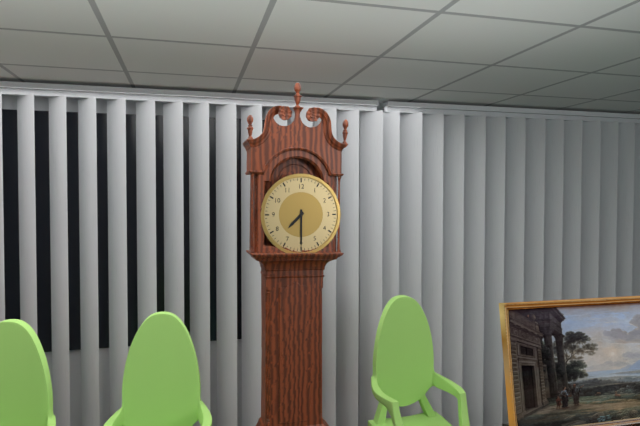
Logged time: 7,30
